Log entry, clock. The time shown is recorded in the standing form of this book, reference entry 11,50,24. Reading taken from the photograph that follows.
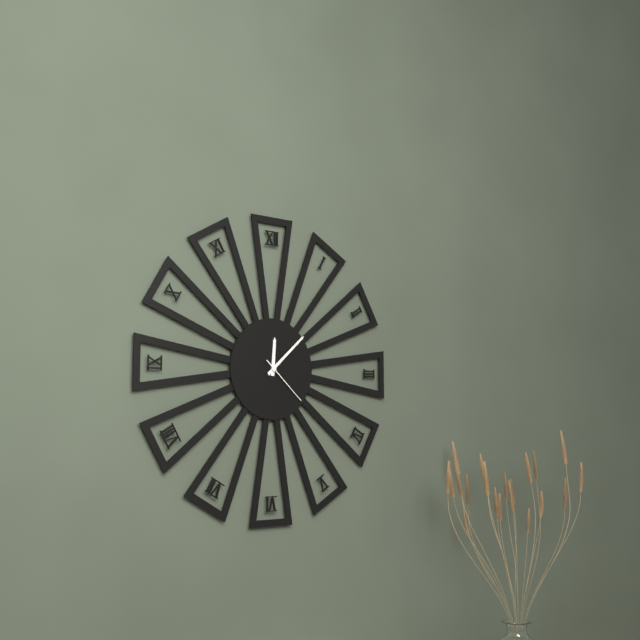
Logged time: 12,08,22
